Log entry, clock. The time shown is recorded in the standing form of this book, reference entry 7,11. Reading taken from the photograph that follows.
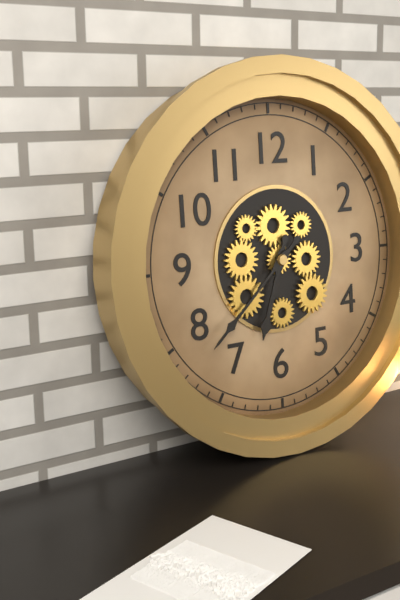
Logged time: 6,38
